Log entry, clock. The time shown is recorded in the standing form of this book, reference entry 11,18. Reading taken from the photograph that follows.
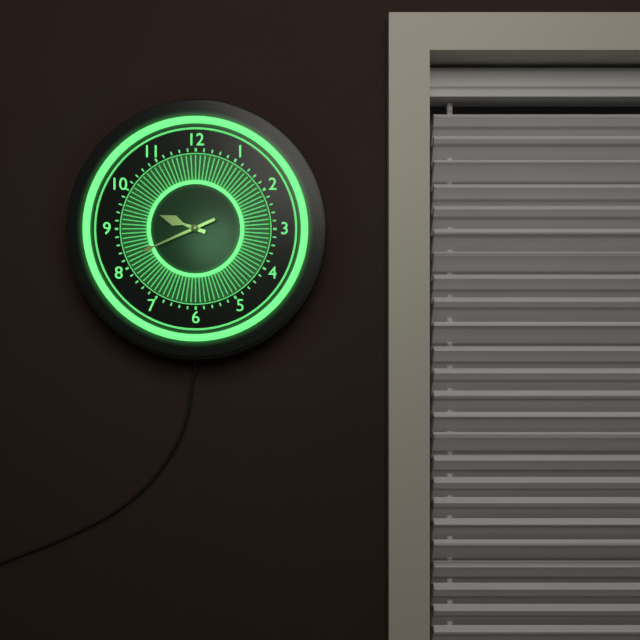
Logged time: 9,41
